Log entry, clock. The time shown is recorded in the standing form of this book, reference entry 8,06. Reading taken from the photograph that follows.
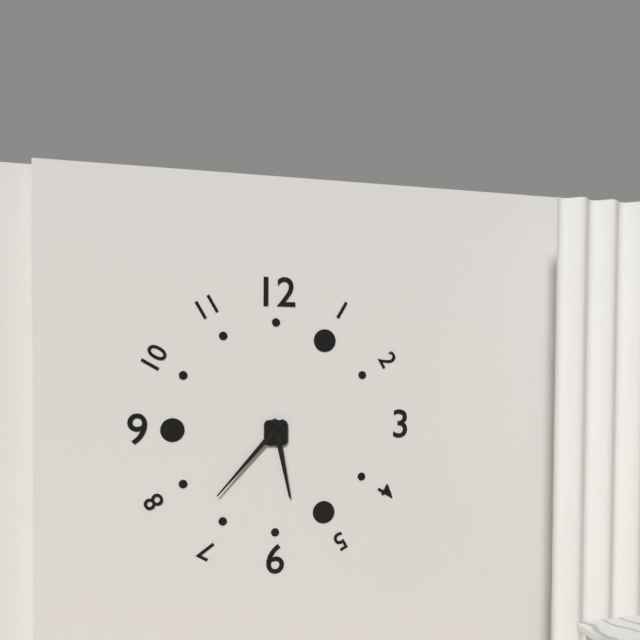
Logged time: 5,37
